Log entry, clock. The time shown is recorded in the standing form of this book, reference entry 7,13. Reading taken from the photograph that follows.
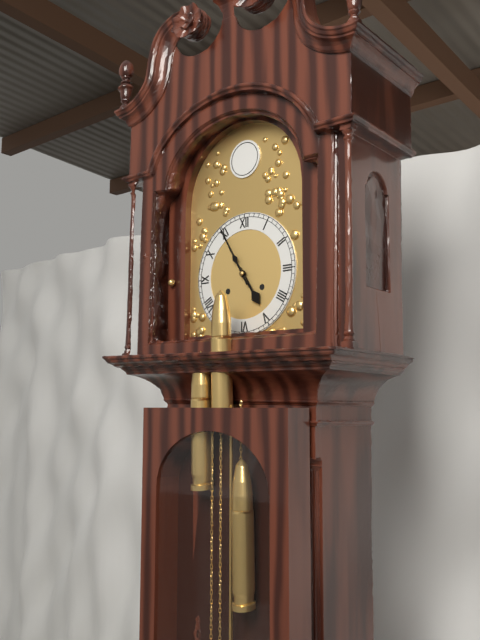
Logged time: 4,55
